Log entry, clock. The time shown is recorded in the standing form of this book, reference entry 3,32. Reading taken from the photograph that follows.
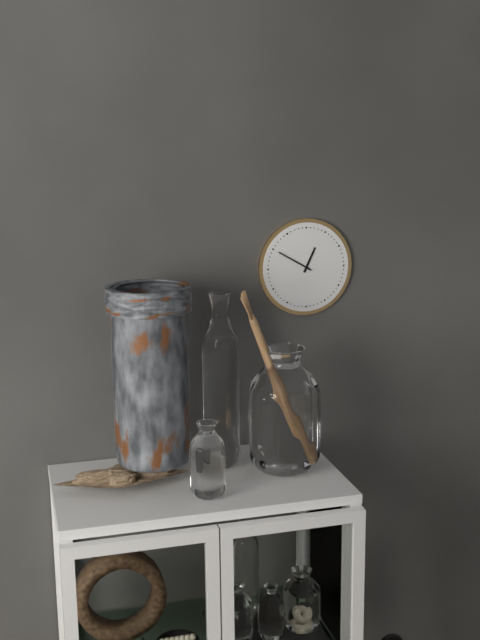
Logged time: 12,50
